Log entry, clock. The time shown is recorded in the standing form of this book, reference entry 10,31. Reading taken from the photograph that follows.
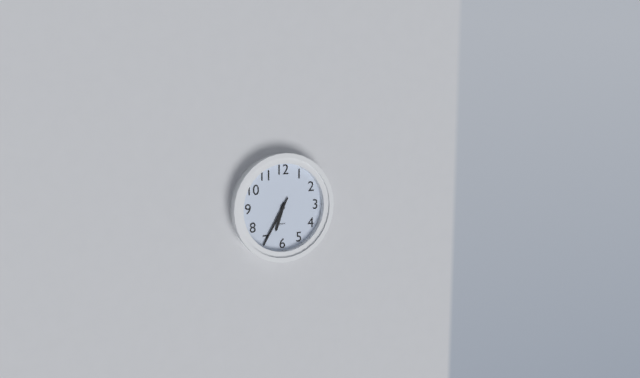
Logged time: 6,35
